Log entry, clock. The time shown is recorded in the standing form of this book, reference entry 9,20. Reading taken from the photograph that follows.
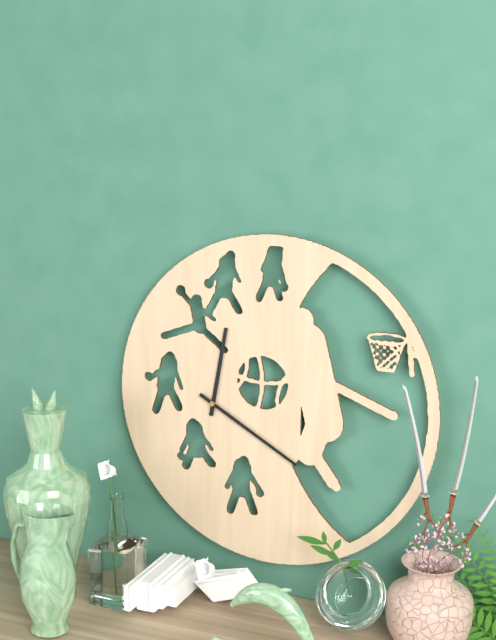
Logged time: 12,20
